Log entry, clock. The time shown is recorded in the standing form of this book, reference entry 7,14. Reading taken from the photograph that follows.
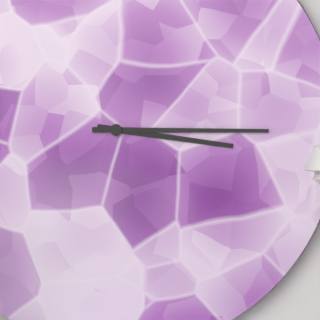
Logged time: 3,15
